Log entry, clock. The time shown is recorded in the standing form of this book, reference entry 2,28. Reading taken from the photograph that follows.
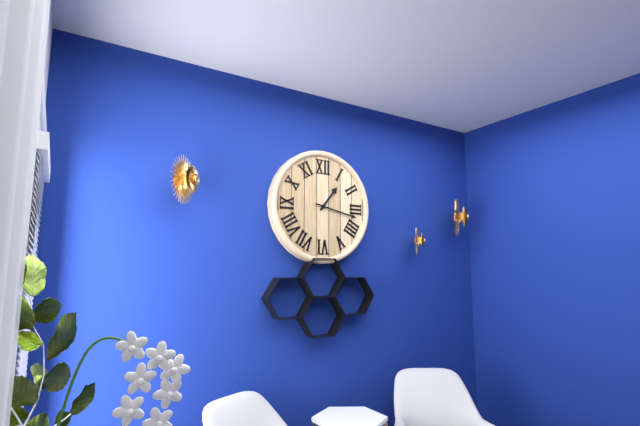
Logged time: 1,17
